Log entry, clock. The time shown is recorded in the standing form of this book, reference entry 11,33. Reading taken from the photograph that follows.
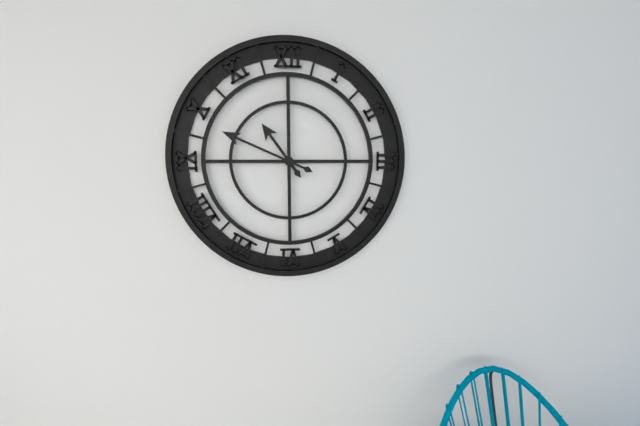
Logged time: 10,49
